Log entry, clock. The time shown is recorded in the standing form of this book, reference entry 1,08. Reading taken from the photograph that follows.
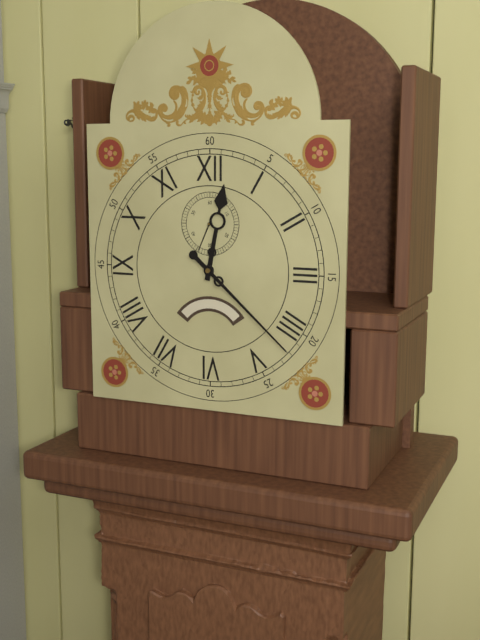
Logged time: 12,22
